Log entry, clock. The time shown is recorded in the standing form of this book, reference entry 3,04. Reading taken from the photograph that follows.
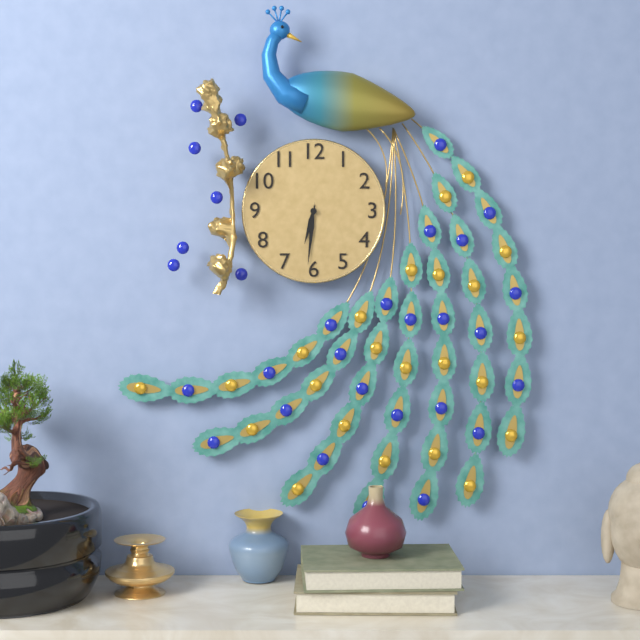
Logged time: 6,31
